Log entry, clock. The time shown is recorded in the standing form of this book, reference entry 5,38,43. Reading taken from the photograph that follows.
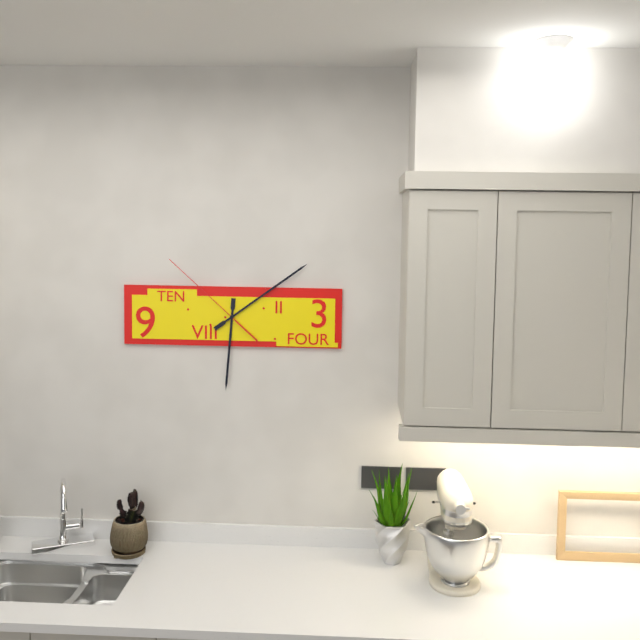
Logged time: 6,09,52
